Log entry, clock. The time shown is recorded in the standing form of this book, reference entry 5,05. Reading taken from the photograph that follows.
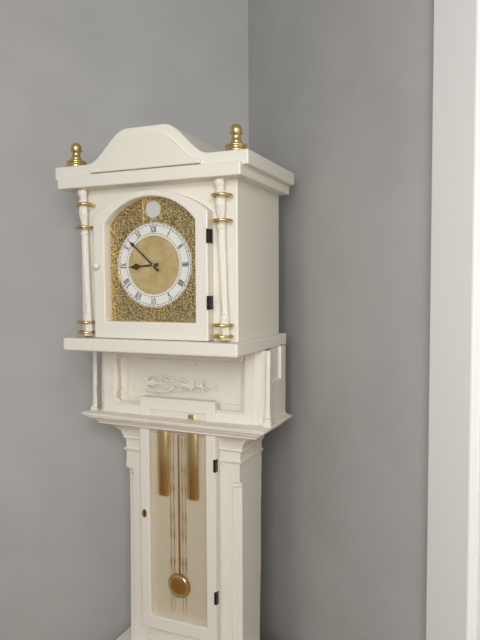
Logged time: 8,52
